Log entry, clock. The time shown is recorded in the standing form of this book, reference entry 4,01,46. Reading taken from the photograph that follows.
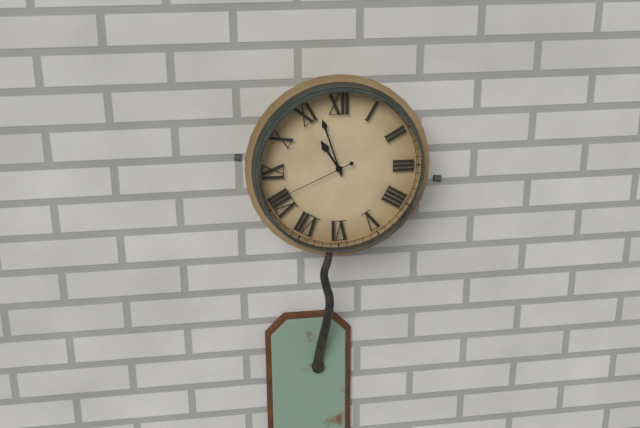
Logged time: 10,57,41
